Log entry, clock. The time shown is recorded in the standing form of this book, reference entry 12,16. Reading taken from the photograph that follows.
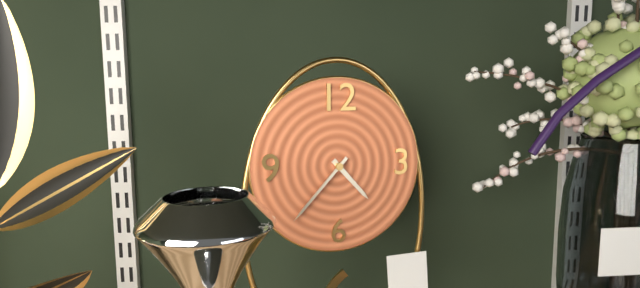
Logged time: 4,37
